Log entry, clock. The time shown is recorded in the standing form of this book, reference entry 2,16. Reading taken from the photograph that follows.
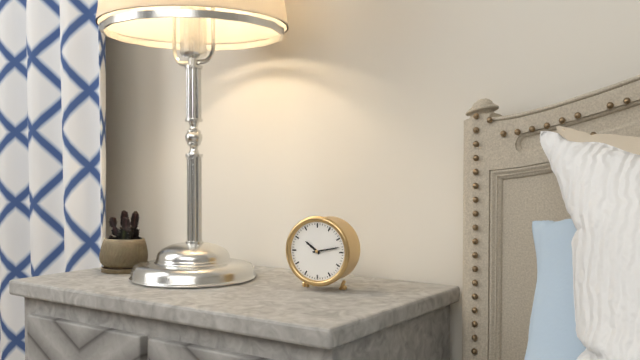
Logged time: 10,13
